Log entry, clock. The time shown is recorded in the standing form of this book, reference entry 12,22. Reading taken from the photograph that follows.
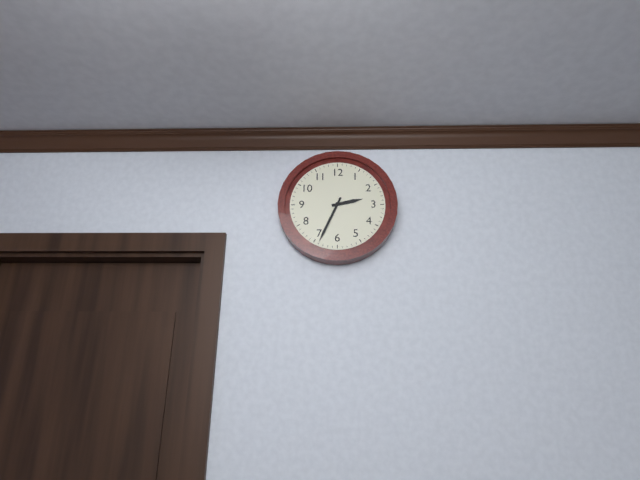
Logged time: 2,34
